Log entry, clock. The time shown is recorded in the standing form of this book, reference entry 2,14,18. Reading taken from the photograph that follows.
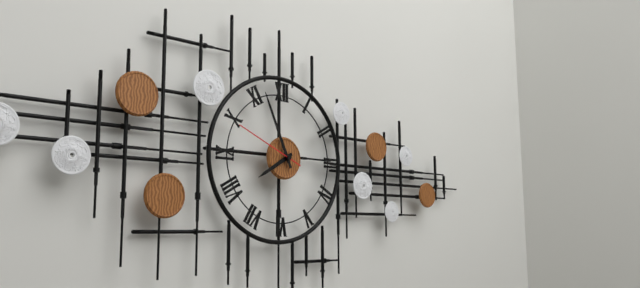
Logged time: 7,56,49
